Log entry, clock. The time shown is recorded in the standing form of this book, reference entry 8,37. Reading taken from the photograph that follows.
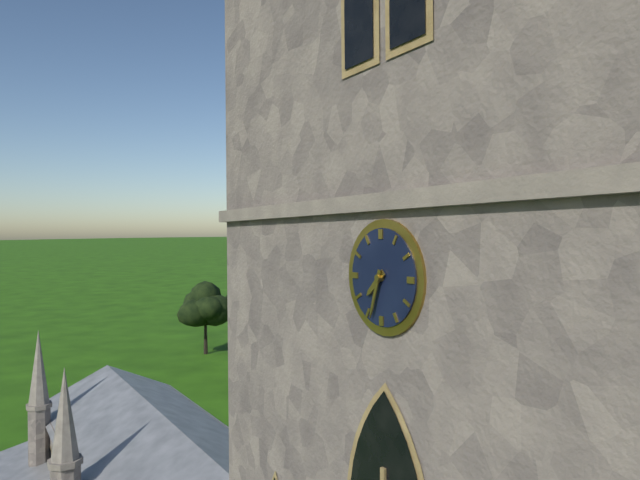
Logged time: 7,33
